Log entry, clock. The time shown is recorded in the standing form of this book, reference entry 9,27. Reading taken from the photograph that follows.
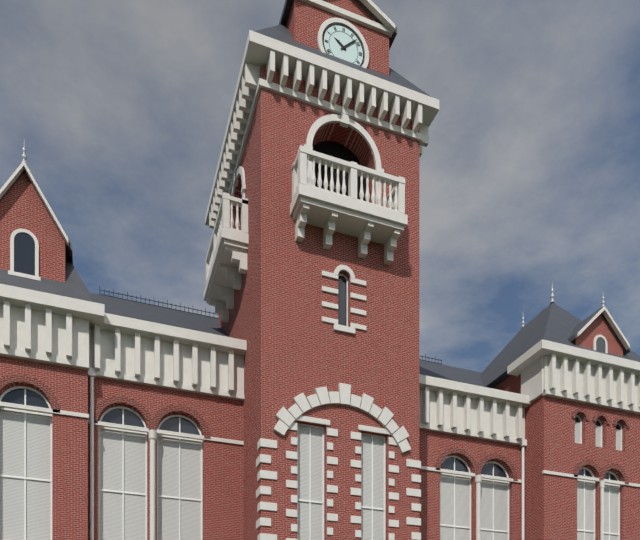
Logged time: 10,08
